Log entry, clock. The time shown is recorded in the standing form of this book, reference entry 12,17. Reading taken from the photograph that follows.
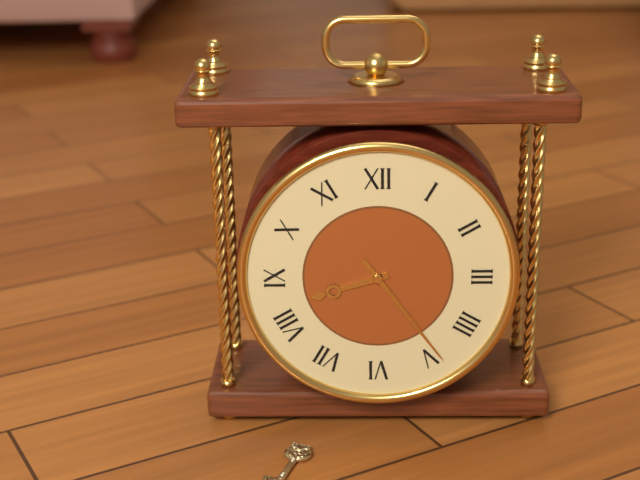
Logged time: 8,24
